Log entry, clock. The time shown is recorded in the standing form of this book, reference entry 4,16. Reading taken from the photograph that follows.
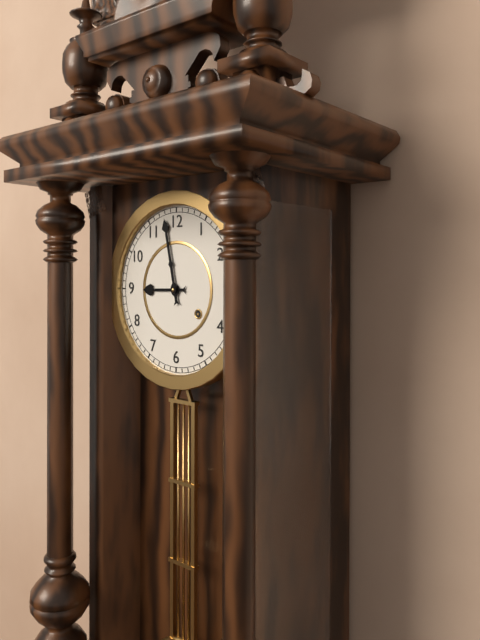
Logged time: 8,58
